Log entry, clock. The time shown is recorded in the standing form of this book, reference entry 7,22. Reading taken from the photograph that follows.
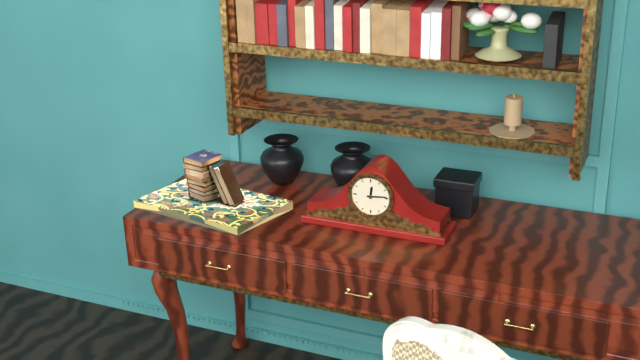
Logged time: 12,14
